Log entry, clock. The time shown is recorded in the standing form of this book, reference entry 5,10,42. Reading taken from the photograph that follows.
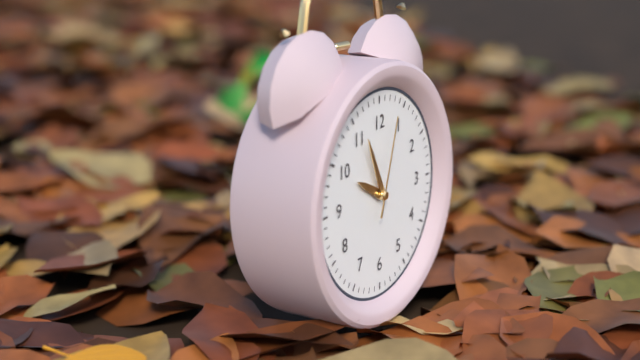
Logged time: 9,56,03
